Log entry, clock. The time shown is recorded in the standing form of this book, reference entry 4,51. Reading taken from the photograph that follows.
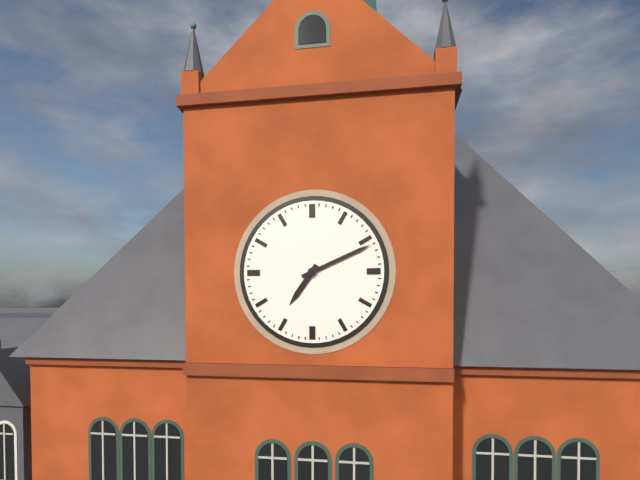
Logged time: 7,11
